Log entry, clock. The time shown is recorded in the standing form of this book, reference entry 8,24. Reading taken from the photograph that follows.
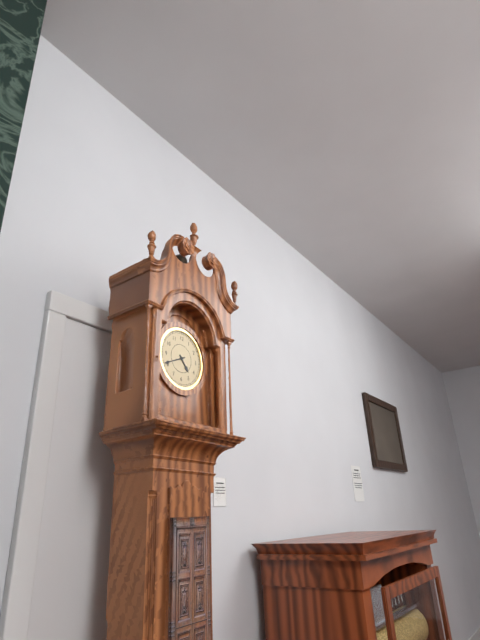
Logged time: 4,41
